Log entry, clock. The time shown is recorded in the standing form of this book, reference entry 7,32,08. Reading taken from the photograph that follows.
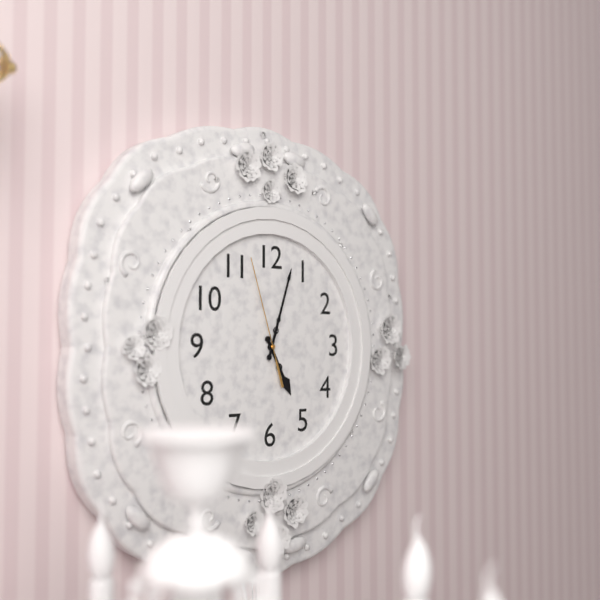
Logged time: 5,03,57
